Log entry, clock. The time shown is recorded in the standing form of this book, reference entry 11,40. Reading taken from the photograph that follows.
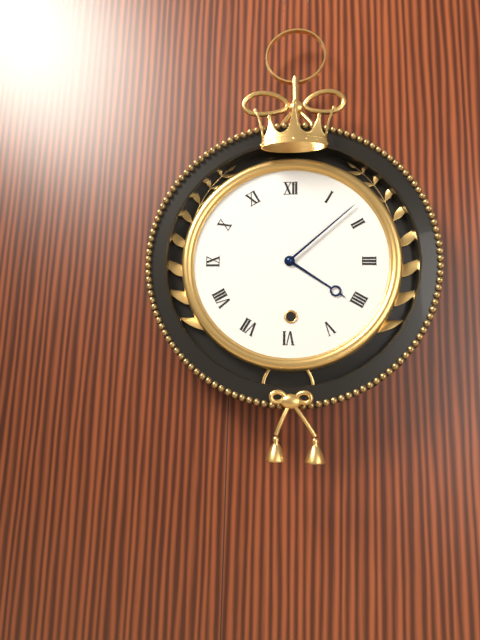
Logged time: 4,08
